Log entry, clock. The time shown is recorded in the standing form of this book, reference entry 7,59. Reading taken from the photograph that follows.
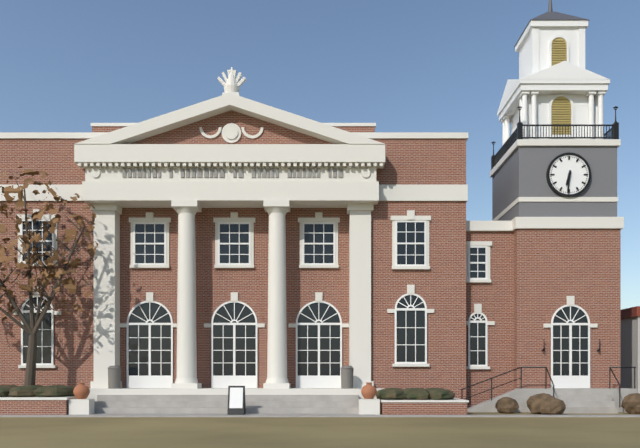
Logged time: 6,31
